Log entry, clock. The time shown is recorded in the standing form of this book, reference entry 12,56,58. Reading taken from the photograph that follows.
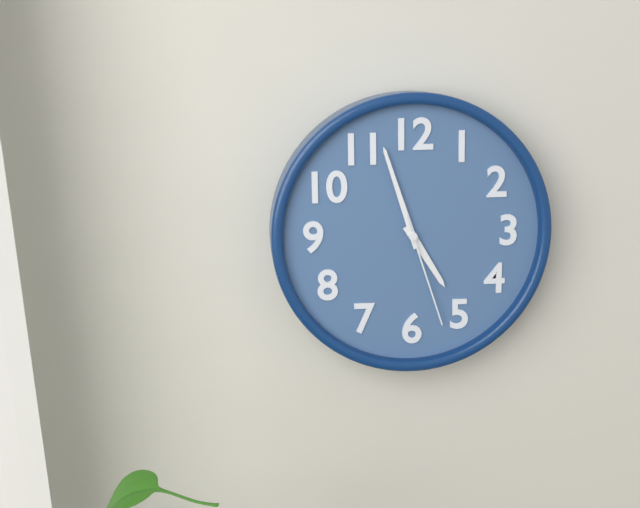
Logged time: 4,57,27
